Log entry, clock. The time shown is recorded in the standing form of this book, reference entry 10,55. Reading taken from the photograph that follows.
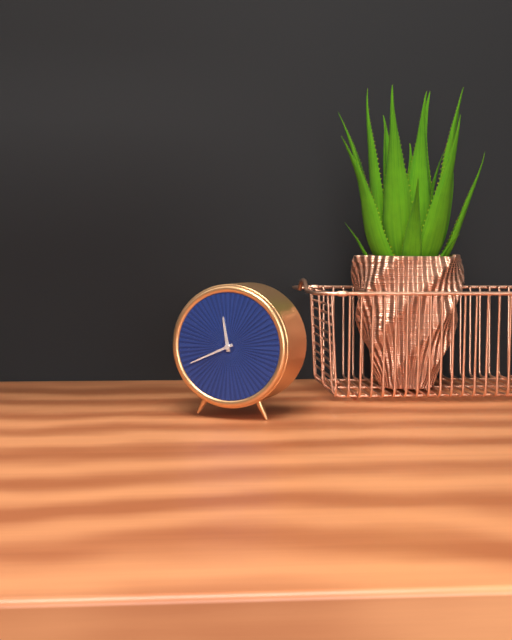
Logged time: 11,41
